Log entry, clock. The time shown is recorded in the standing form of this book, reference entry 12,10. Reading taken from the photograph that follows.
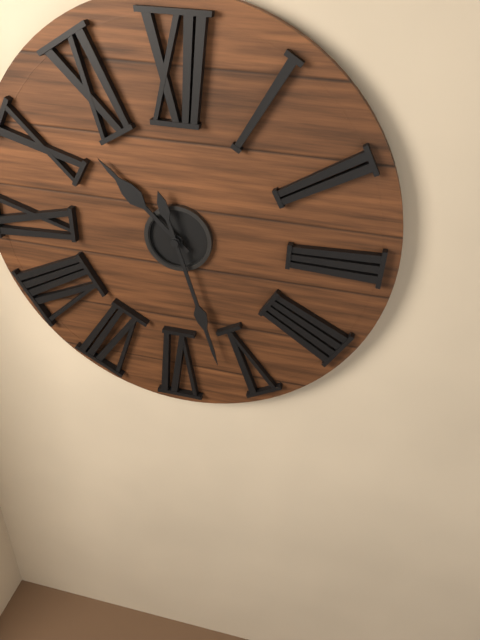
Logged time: 10,27
